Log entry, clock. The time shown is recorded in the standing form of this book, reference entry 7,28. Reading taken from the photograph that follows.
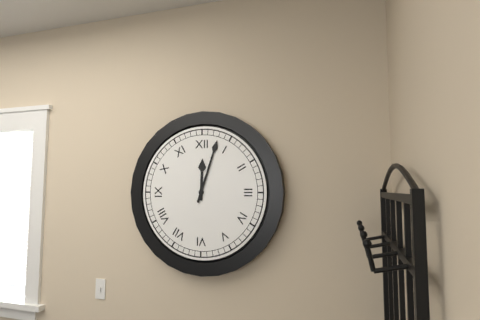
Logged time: 12,03
